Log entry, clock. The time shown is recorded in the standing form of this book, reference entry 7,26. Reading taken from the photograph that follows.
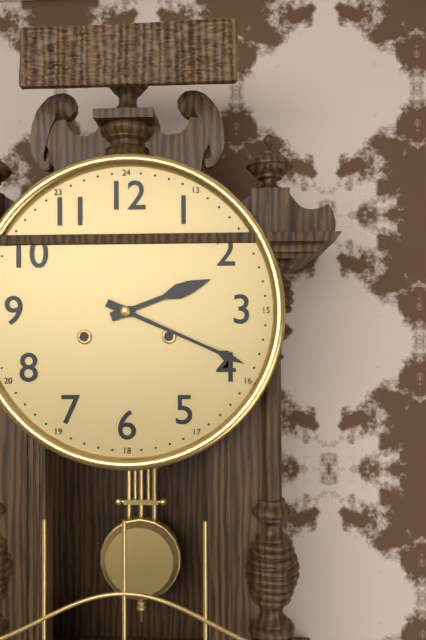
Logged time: 2,19
